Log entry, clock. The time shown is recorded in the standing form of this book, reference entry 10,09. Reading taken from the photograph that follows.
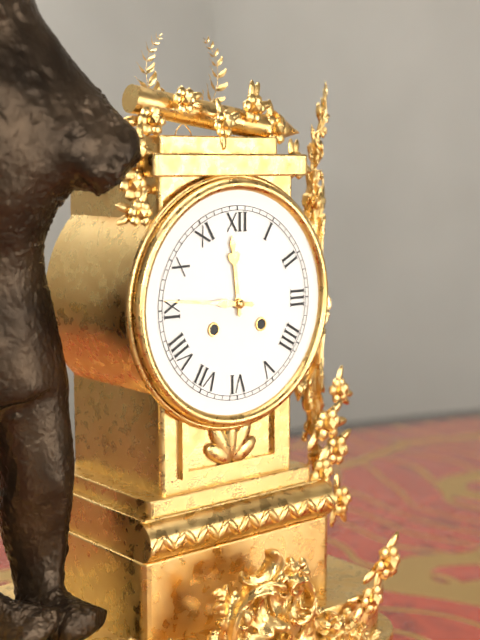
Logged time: 11,46
